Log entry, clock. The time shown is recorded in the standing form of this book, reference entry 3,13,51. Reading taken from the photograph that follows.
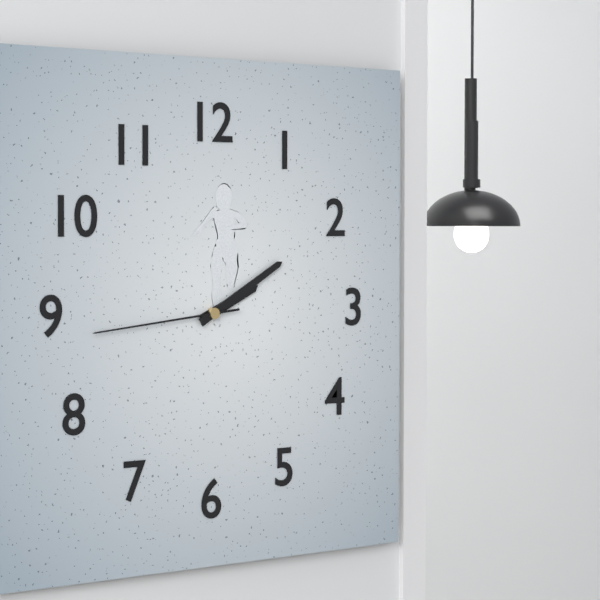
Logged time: 2,10,44
